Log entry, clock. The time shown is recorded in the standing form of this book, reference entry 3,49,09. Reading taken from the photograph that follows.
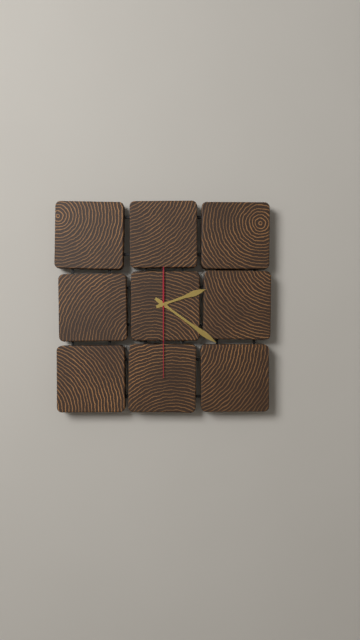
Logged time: 2,21,30
